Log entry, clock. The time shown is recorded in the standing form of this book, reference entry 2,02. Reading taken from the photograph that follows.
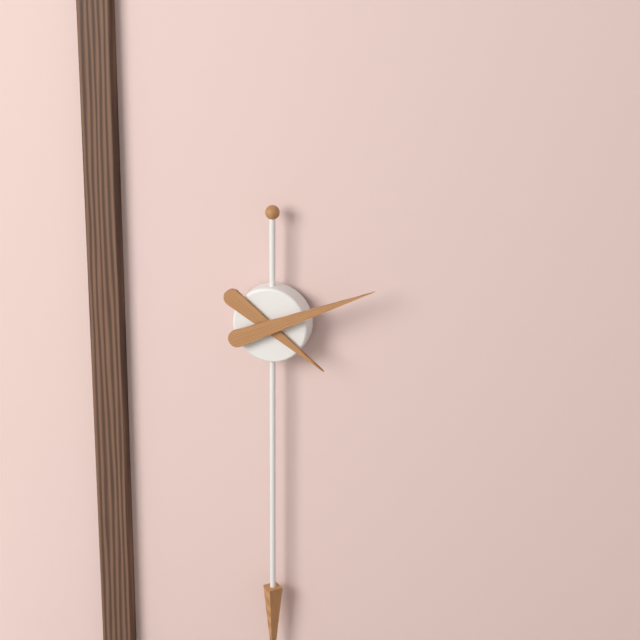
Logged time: 4,11
